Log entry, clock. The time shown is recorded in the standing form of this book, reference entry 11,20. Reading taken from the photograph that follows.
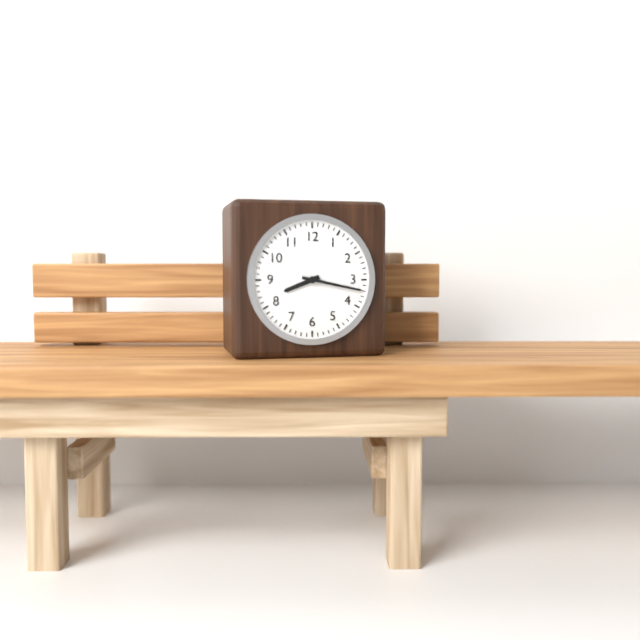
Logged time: 8,17
